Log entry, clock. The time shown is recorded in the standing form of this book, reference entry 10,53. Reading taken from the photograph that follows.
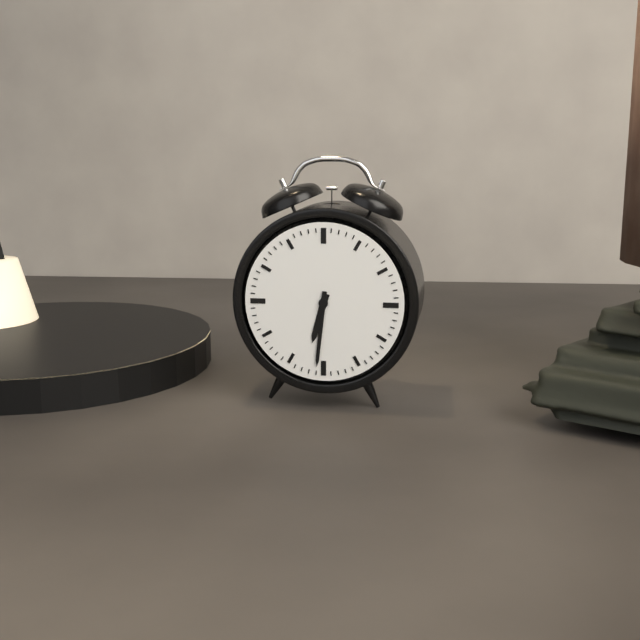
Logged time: 6,31
